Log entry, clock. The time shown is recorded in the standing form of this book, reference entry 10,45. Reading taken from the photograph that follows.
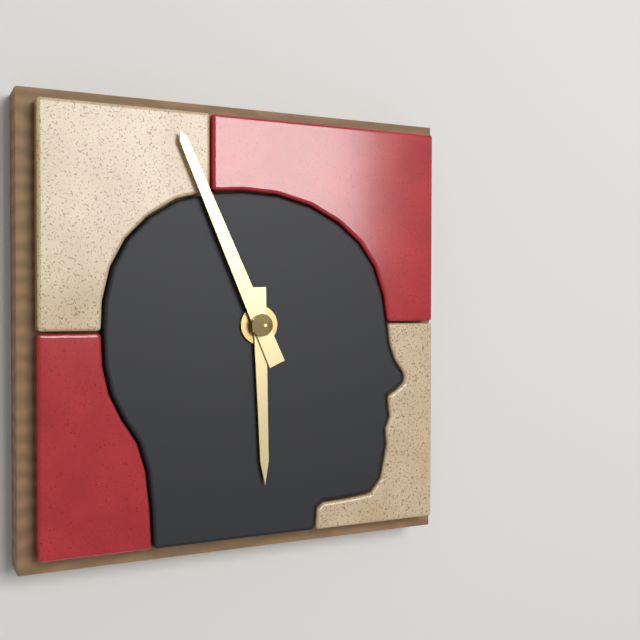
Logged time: 5,56
